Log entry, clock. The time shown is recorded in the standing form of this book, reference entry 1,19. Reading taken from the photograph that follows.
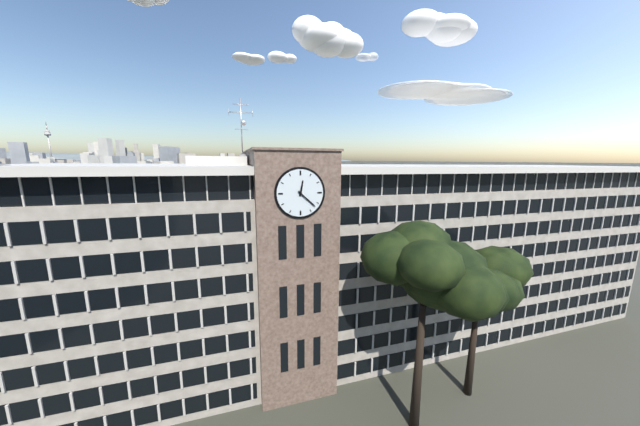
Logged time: 12,22
